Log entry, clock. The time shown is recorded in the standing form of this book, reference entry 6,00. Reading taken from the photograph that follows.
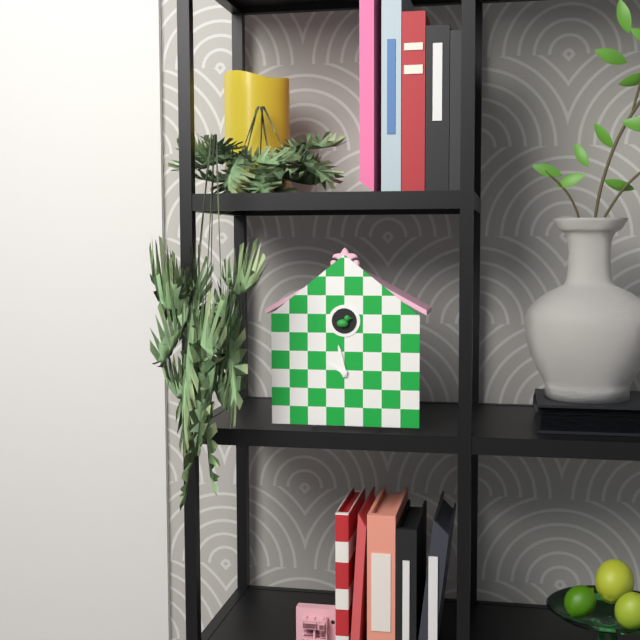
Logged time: 9,58
